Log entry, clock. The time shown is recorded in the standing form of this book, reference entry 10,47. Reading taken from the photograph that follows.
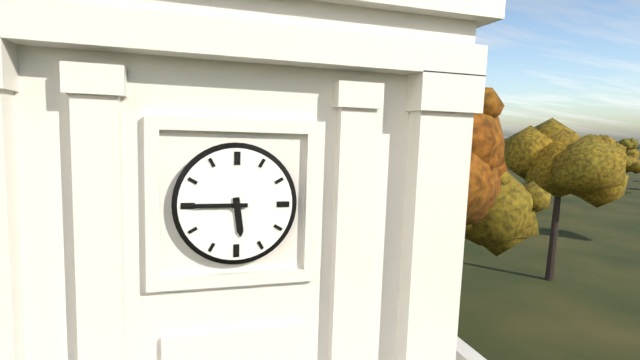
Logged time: 5,45
